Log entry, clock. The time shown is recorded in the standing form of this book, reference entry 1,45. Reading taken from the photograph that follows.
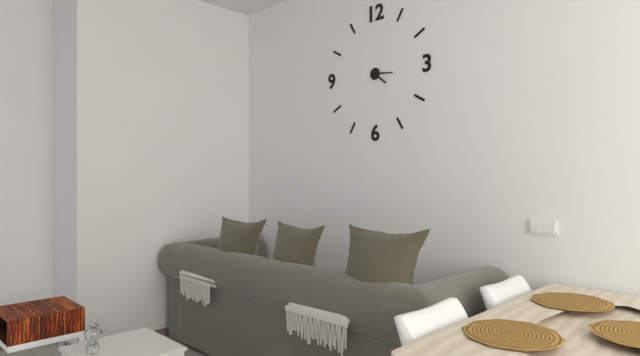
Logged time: 4,16
